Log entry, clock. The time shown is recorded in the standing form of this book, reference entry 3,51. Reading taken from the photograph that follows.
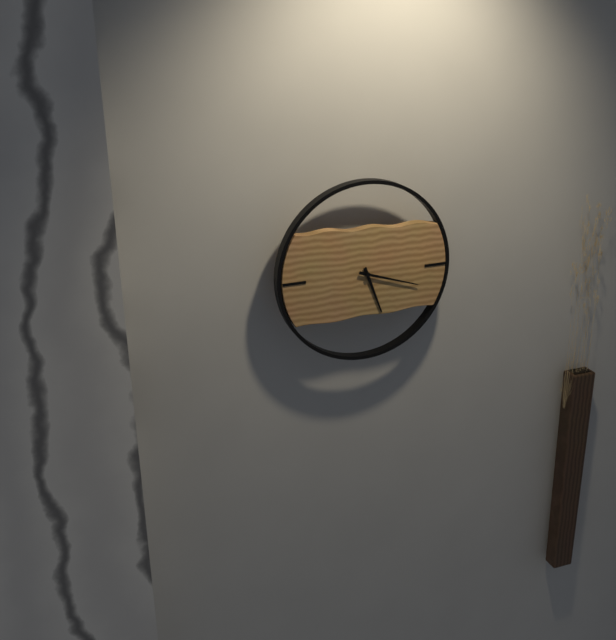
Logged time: 5,18
